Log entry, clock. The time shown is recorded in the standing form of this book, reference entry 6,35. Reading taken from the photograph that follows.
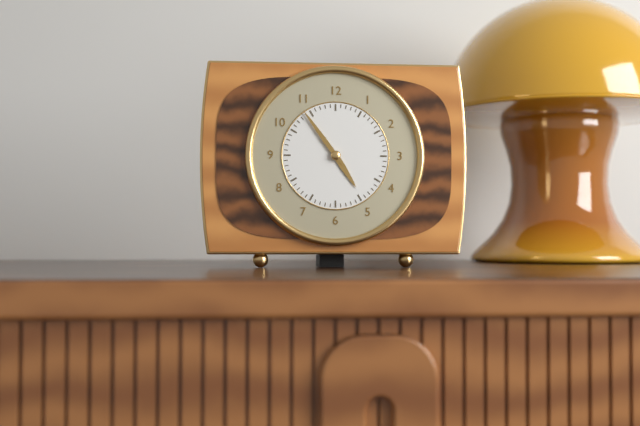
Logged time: 4,54
